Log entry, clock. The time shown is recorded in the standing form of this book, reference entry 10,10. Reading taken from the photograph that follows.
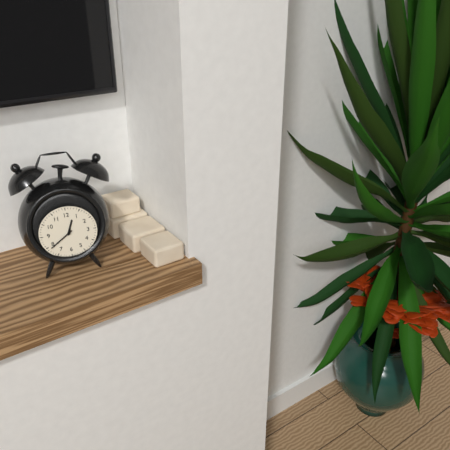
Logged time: 12,39
